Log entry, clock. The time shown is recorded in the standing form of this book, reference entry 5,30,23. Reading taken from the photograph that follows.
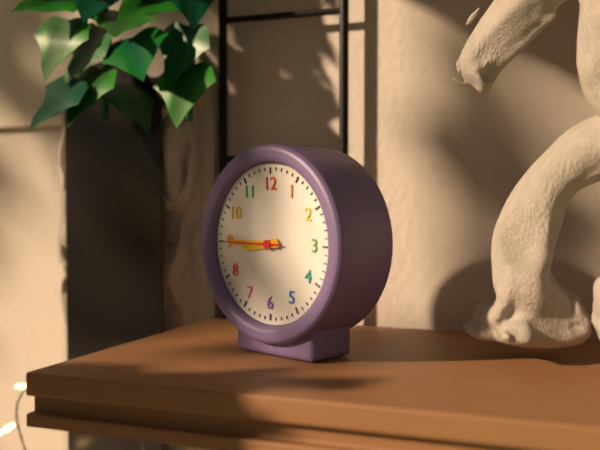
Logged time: 8,45,45
